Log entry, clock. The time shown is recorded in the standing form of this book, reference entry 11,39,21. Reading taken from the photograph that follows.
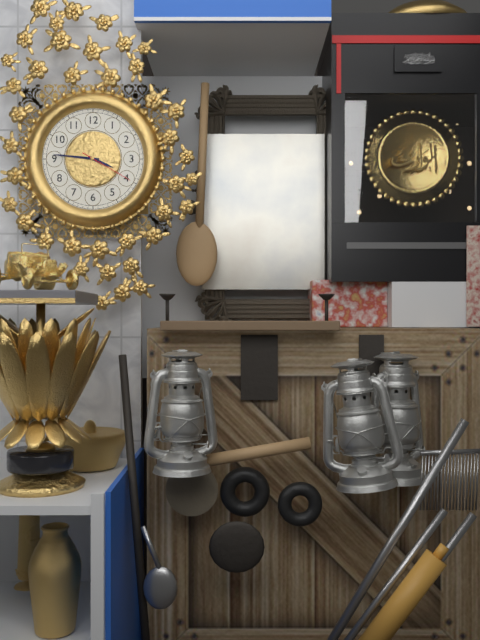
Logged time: 3,46,20
